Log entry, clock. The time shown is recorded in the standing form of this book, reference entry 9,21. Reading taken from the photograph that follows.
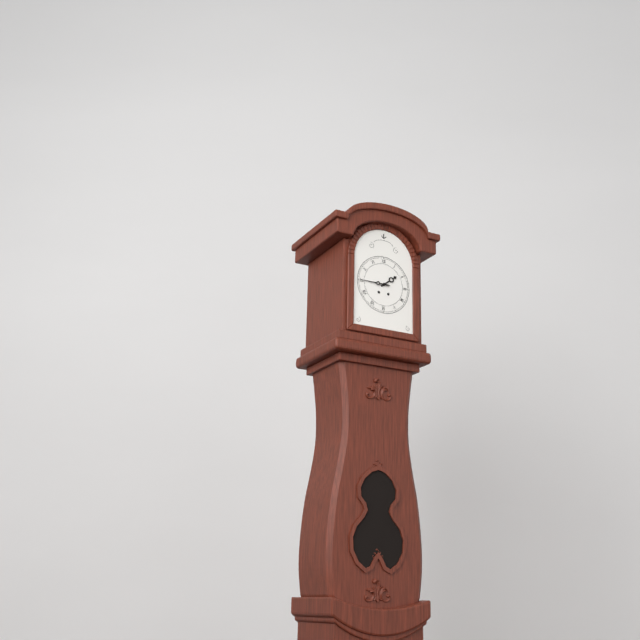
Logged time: 1,45
